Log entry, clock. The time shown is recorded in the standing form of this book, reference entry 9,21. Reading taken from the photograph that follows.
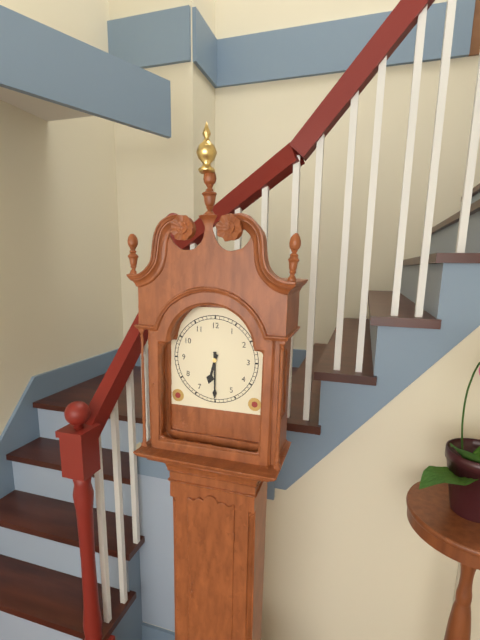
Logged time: 6,30
